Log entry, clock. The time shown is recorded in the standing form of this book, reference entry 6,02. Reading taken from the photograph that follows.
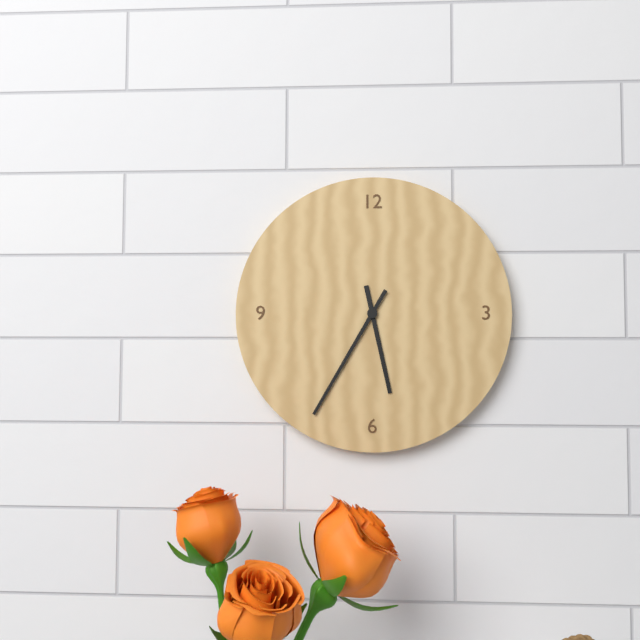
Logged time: 5,35
